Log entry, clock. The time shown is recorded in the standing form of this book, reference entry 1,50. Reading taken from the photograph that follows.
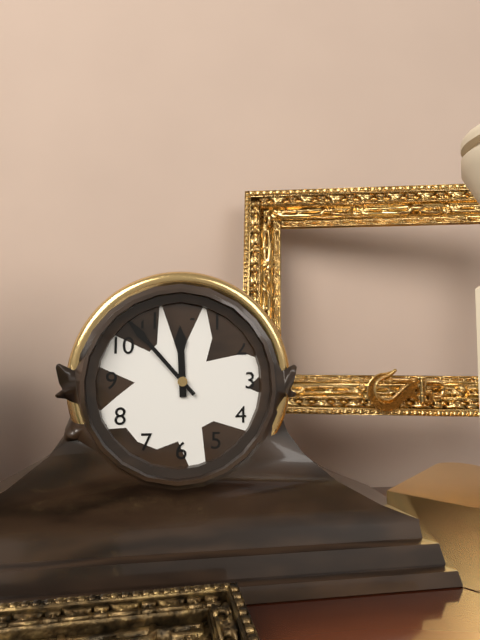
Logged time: 11,53
